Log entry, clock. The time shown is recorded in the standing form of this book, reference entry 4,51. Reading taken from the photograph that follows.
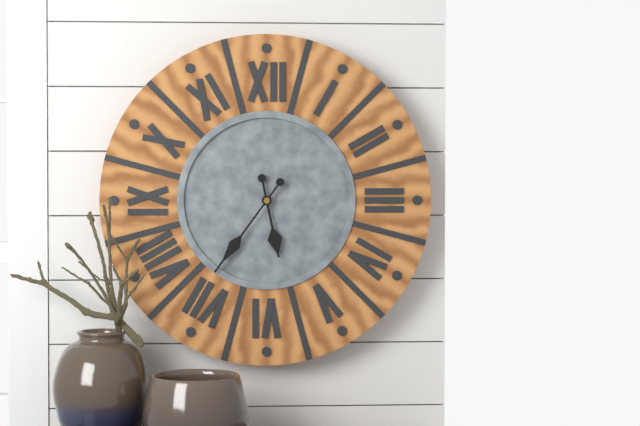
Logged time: 5,36
